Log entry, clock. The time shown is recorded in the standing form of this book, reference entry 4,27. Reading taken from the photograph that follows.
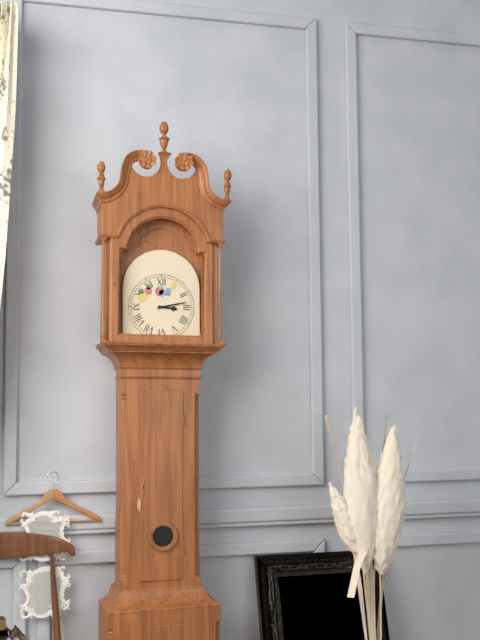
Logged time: 3,13
